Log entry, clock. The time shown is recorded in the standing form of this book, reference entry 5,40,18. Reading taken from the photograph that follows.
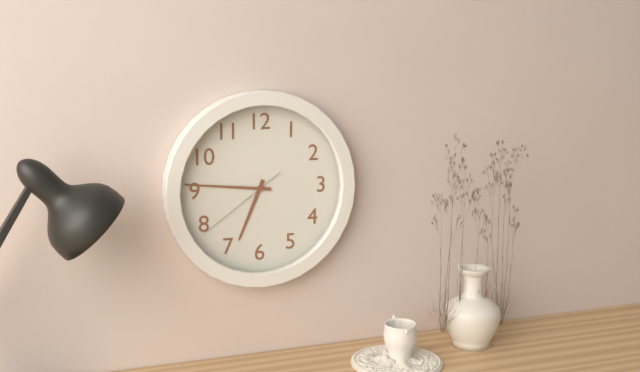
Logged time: 6,46,39
